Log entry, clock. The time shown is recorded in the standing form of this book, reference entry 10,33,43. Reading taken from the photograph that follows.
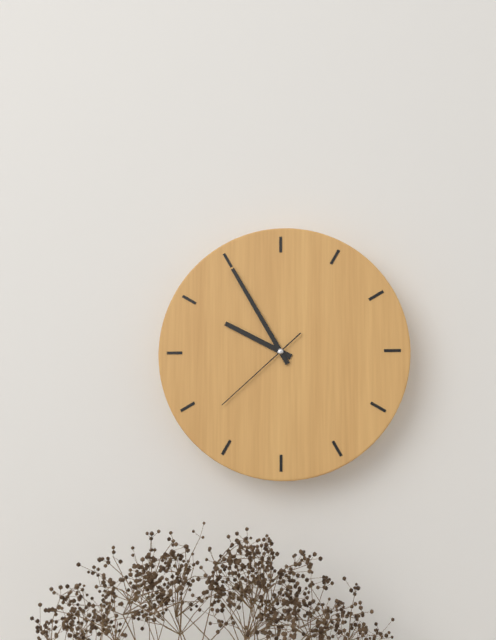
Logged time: 9,55,38
